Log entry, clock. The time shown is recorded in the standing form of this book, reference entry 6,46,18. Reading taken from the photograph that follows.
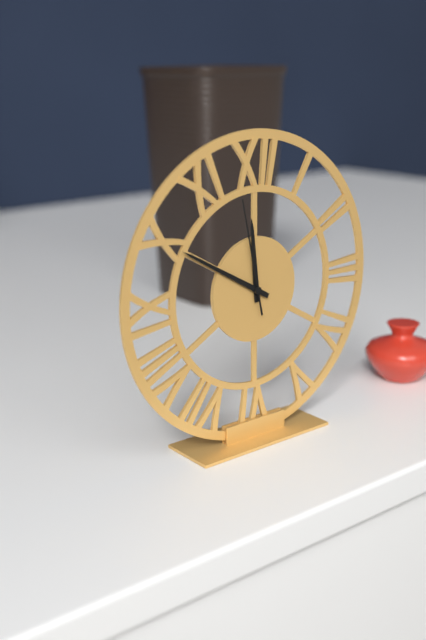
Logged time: 11,50,58
